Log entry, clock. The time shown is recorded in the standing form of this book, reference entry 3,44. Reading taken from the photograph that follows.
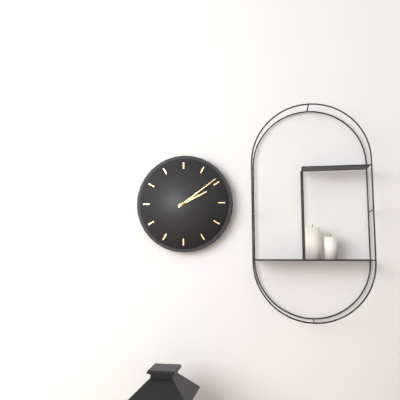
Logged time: 2,09
